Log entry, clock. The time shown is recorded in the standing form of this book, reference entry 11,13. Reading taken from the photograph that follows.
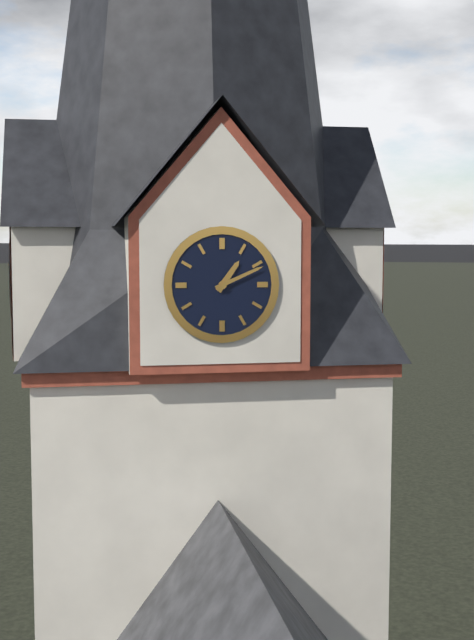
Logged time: 1,11
